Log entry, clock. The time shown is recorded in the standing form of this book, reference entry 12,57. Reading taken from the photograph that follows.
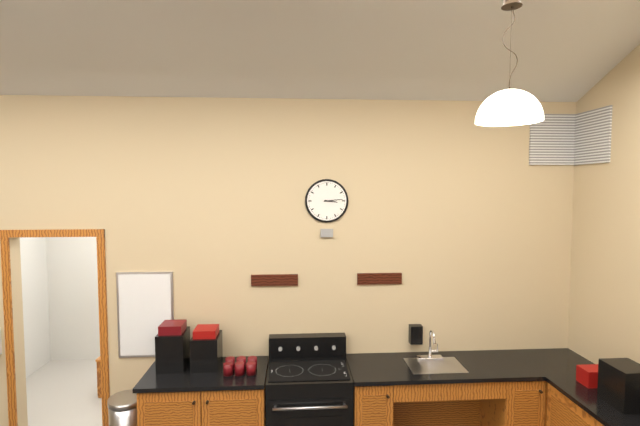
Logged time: 3,14
